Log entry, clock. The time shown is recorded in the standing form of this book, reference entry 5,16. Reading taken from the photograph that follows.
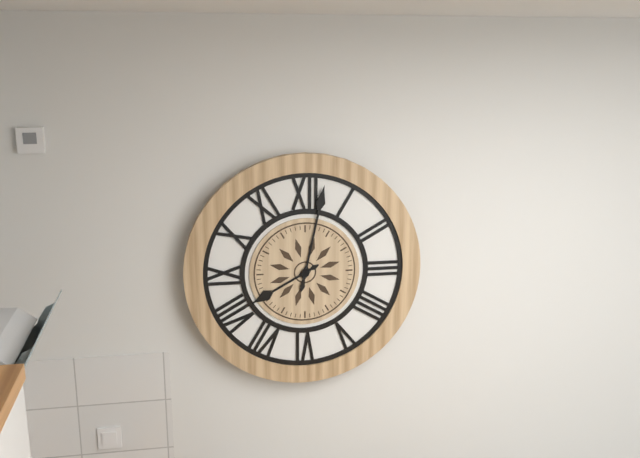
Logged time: 8,02
